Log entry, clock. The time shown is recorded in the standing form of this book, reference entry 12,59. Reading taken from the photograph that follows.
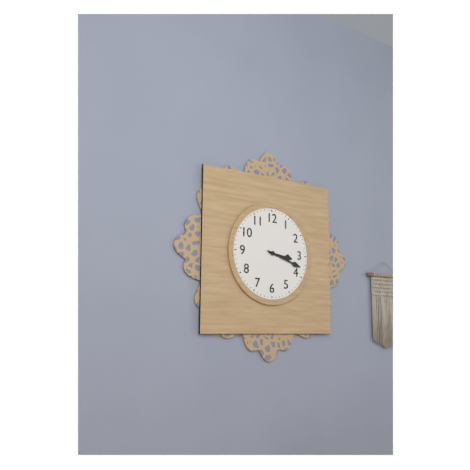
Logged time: 3,18
